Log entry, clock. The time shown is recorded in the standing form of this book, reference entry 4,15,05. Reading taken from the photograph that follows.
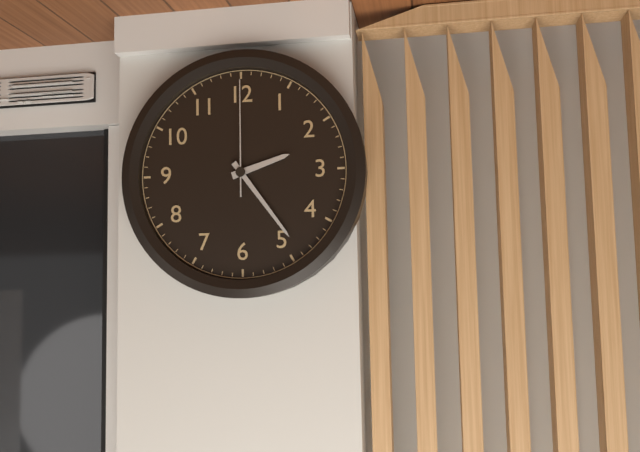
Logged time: 2,24,00
